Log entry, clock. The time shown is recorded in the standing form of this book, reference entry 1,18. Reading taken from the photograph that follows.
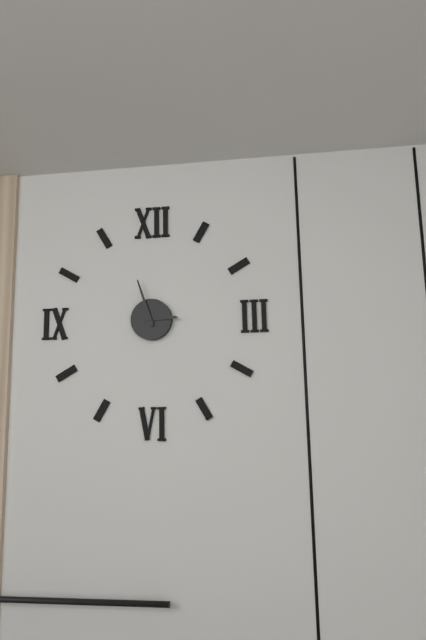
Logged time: 2,57
